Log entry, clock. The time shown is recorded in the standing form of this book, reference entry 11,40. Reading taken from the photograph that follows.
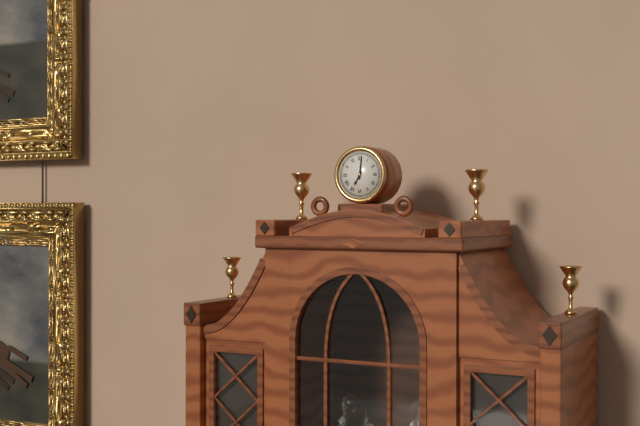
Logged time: 7,01
